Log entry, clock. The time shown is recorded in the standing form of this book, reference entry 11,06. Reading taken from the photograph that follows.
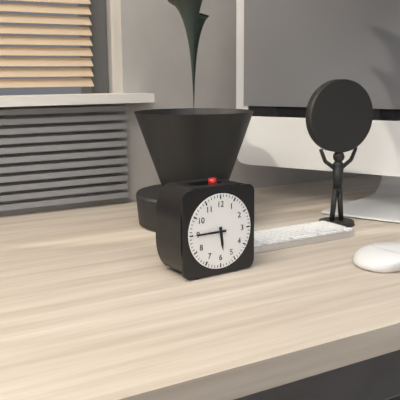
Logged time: 5,45
